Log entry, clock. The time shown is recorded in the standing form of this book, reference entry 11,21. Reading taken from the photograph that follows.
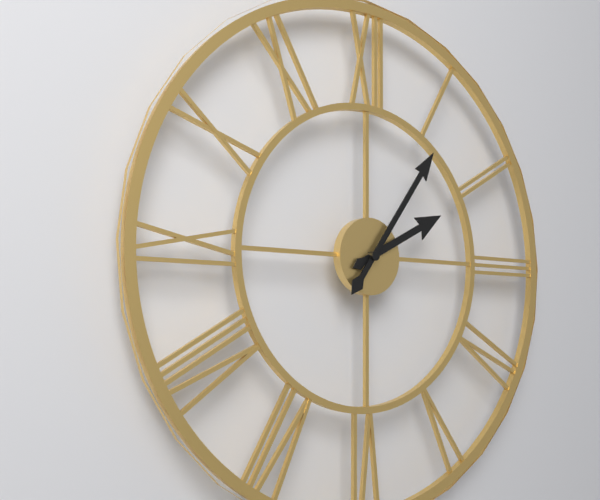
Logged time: 2,06
